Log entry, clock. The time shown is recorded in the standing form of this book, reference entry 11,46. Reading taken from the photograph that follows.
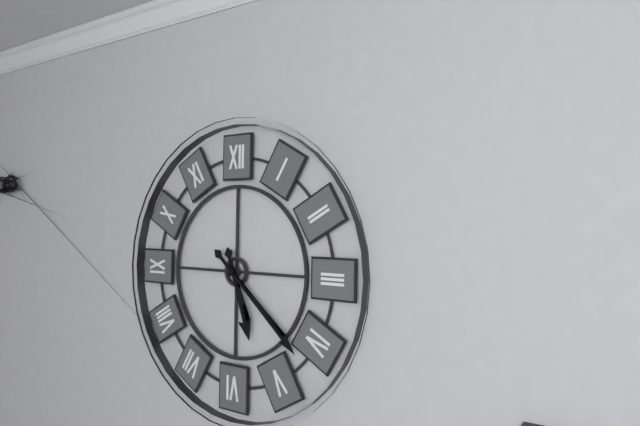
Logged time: 5,22
